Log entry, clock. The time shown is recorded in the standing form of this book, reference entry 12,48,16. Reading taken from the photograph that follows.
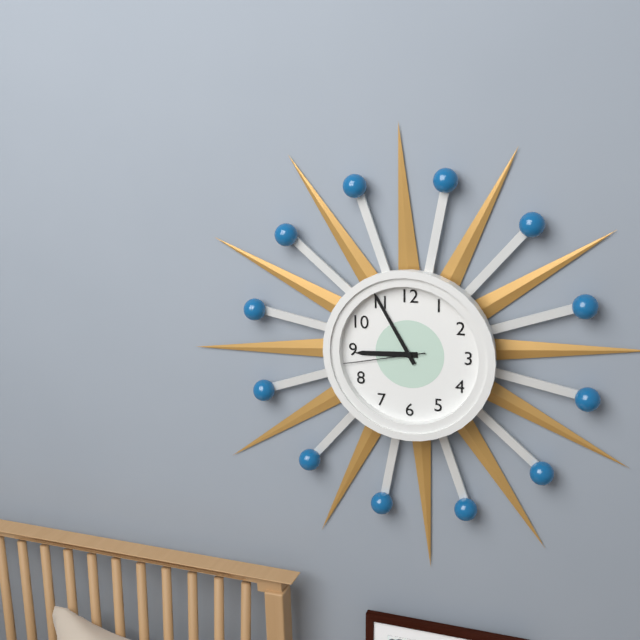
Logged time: 8,55,43
